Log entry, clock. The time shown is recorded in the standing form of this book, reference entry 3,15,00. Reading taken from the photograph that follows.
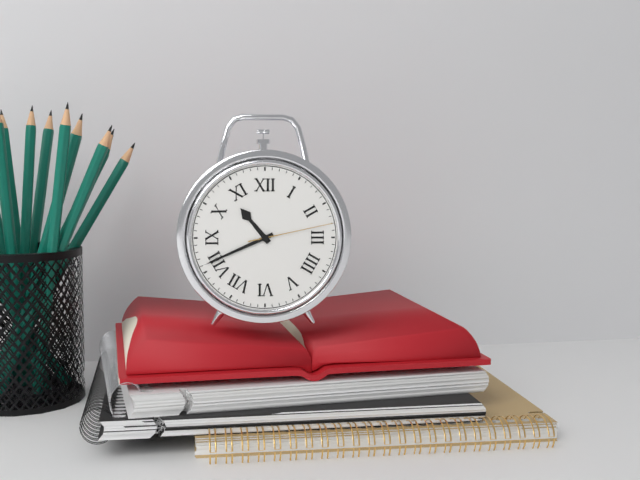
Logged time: 10,41,13
